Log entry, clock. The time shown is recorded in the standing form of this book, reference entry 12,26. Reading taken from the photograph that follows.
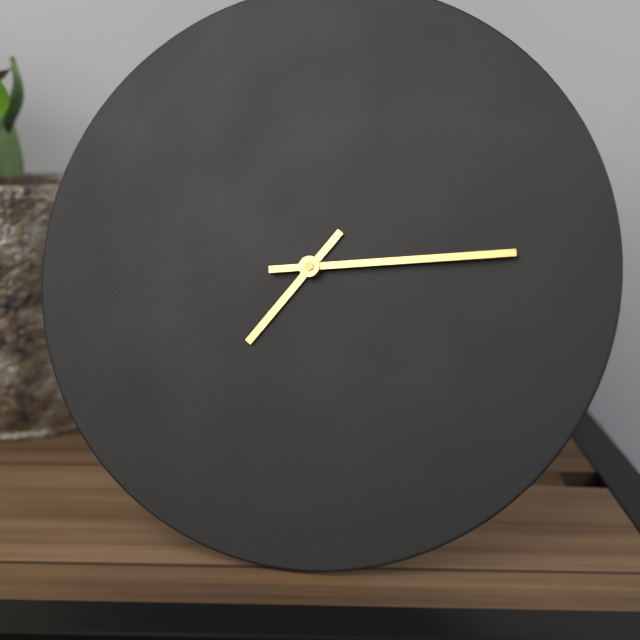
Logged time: 7,14
